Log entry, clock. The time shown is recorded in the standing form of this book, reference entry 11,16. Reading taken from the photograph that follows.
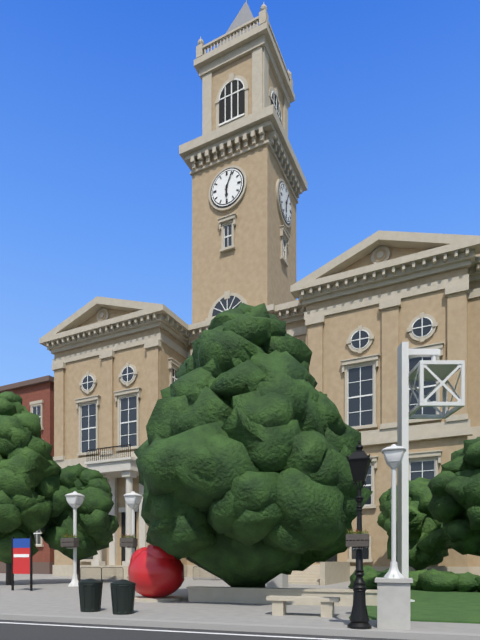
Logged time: 6,04
